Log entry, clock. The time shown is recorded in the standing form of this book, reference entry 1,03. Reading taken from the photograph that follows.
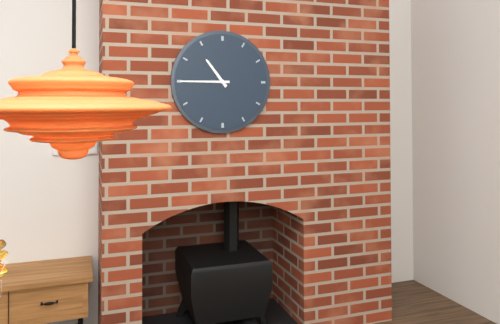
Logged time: 10,45
